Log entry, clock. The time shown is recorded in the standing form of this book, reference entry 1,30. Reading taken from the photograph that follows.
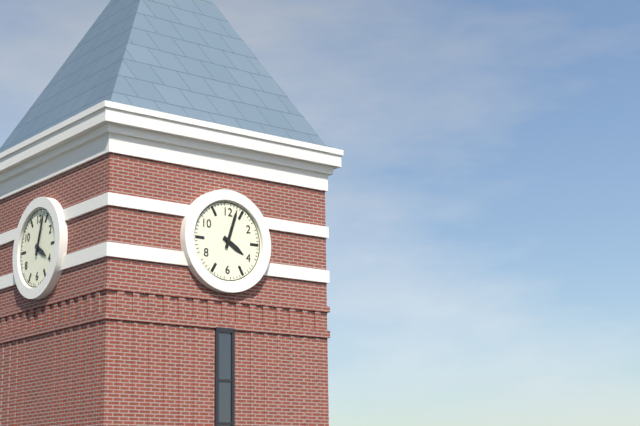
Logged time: 4,03
